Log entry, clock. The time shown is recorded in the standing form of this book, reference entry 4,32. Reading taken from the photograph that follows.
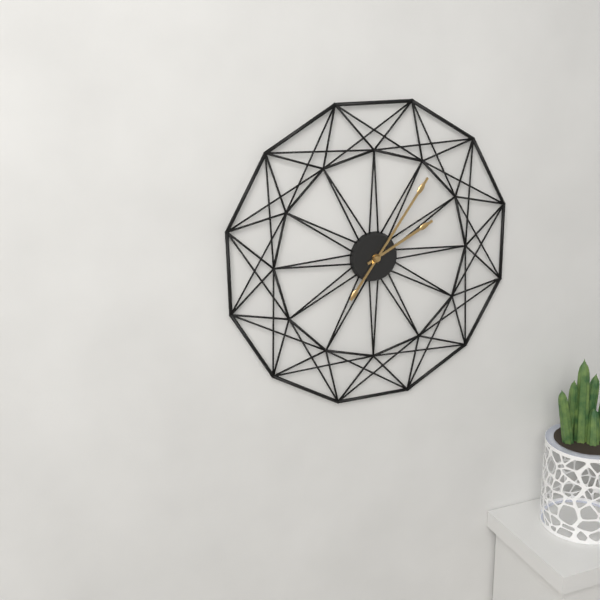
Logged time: 2,06
